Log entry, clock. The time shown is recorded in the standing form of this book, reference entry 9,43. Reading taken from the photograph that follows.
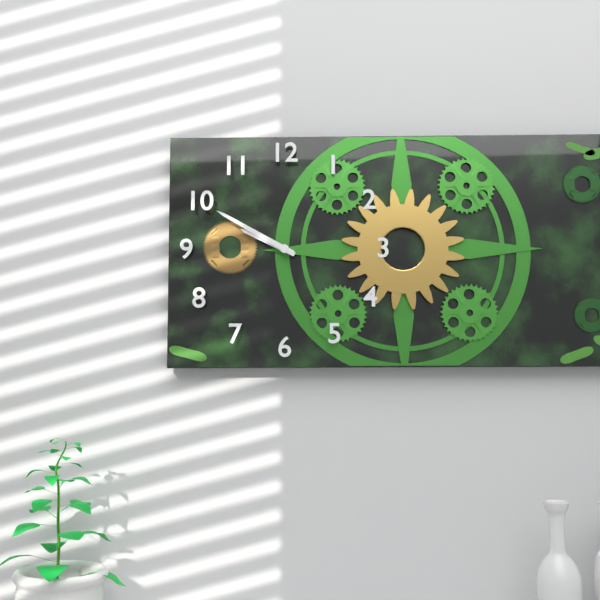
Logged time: 9,50
